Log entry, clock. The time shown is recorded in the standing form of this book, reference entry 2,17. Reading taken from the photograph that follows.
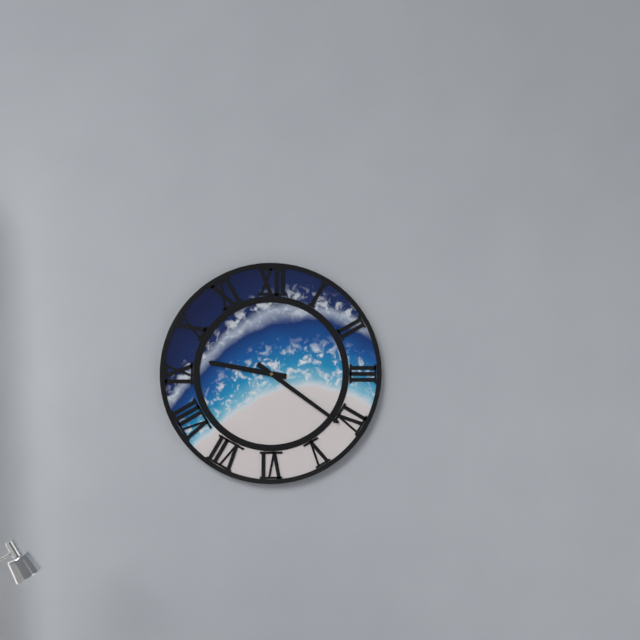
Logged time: 9,21
